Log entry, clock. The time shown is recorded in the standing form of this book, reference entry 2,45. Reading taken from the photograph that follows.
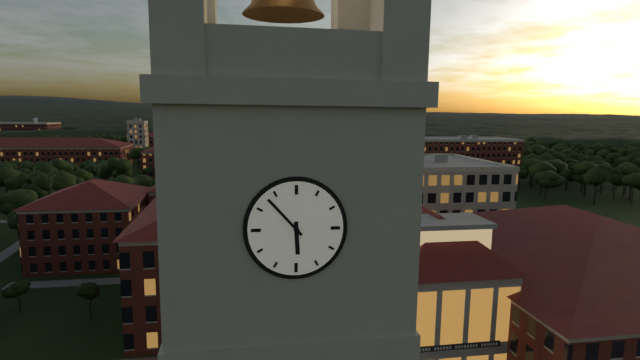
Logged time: 5,53
